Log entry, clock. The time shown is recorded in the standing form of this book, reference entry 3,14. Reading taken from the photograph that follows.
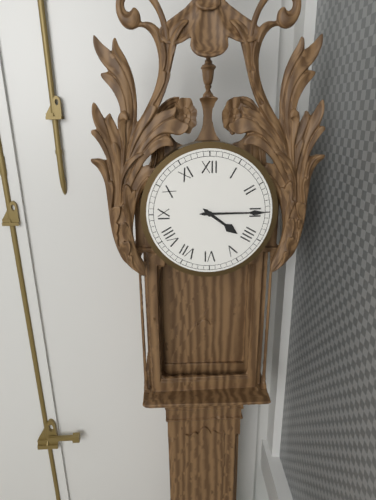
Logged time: 4,15
